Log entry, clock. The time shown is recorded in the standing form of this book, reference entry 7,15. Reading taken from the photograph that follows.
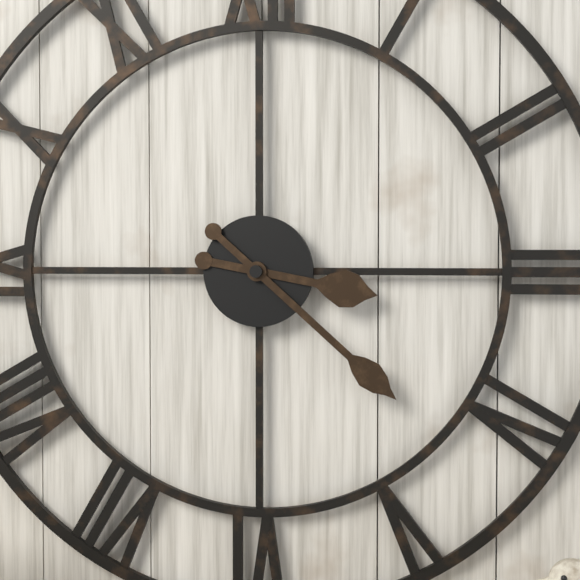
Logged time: 3,22
